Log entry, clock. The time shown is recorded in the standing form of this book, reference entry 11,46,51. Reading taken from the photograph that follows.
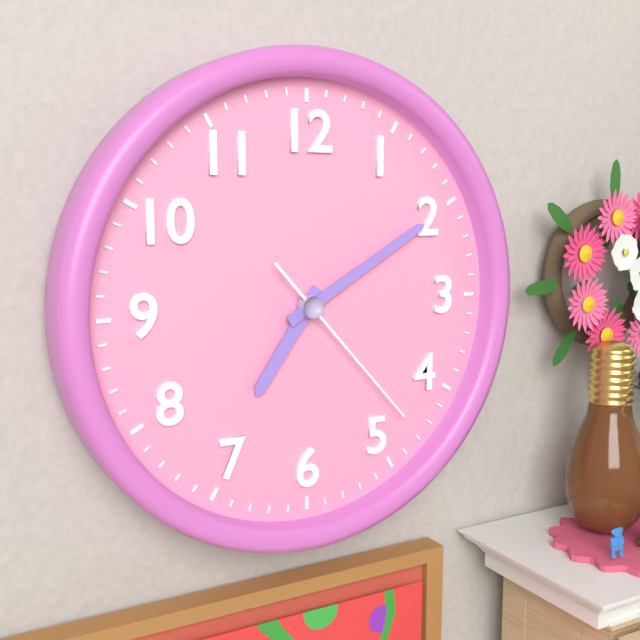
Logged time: 7,10,23
